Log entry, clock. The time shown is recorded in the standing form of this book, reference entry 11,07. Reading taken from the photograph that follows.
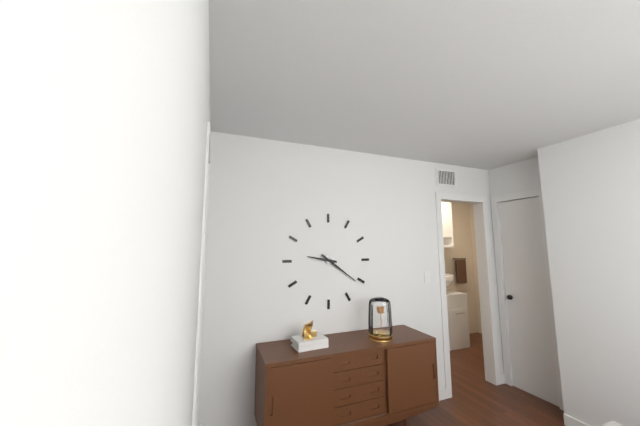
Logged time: 9,21
